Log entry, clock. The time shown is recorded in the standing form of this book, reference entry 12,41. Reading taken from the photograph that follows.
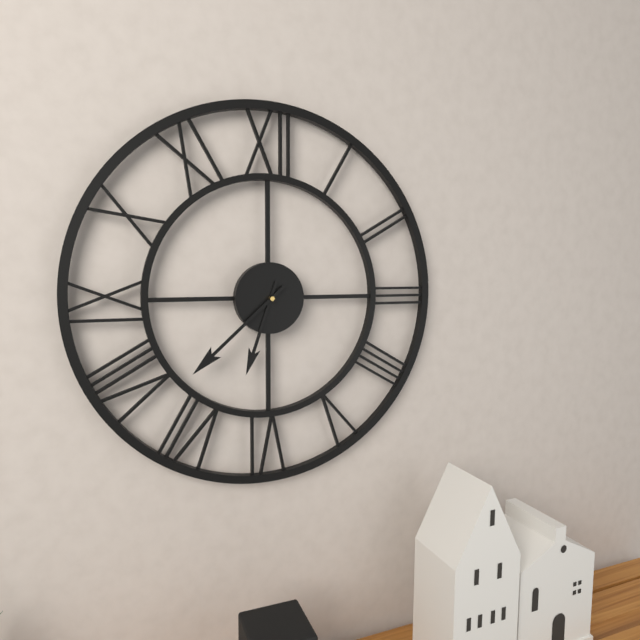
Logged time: 6,38
